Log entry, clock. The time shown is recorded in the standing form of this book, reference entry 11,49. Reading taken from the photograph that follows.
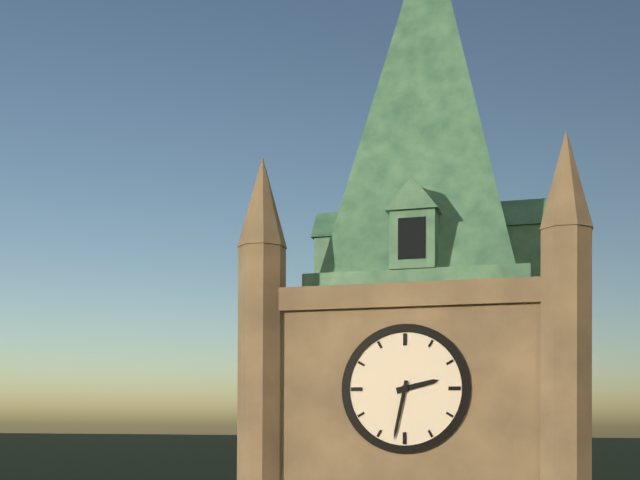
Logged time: 2,32
